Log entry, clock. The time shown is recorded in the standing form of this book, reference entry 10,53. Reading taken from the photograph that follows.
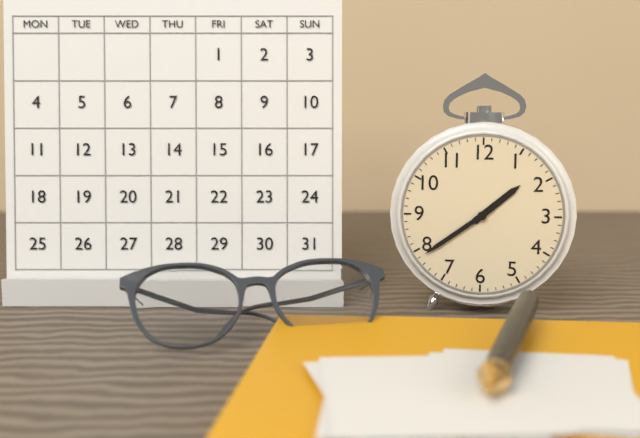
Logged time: 1,39
